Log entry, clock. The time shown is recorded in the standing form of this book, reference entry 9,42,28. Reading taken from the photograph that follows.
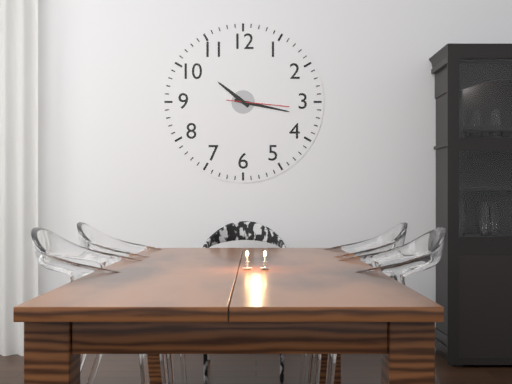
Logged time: 10,17,16
